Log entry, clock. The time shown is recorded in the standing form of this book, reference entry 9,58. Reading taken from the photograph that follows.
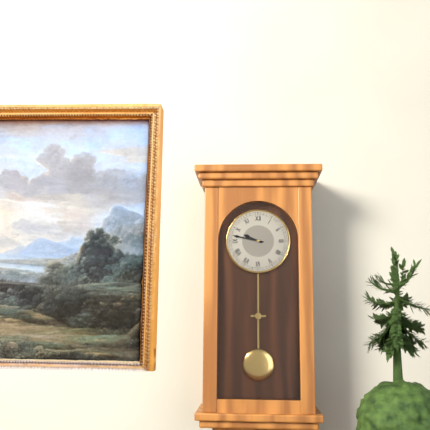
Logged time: 9,47
